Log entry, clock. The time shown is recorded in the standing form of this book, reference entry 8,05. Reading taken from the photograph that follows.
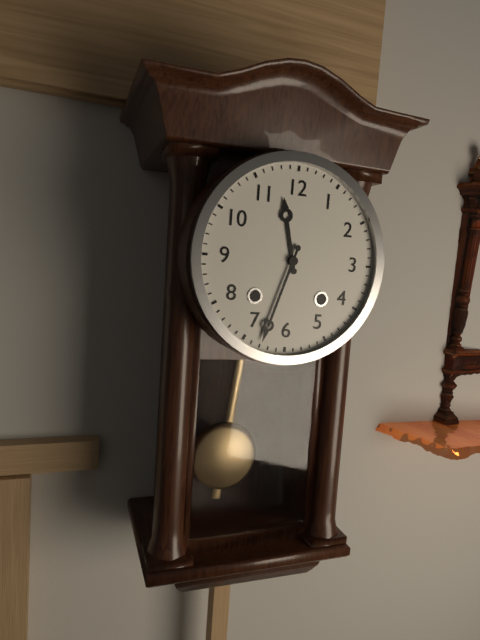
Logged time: 11,33
